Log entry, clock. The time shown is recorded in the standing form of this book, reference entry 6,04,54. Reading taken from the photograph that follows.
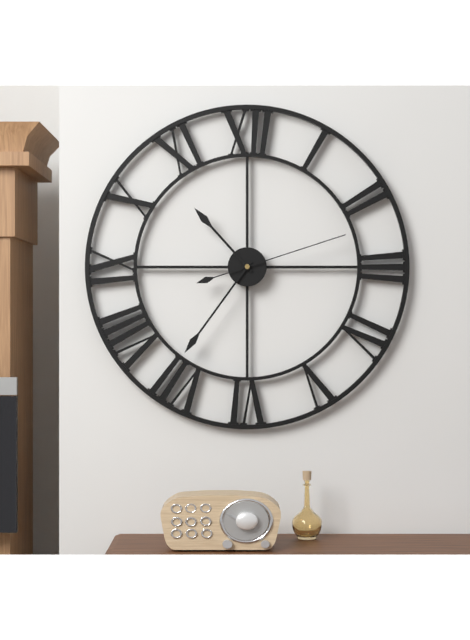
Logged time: 10,36,12
